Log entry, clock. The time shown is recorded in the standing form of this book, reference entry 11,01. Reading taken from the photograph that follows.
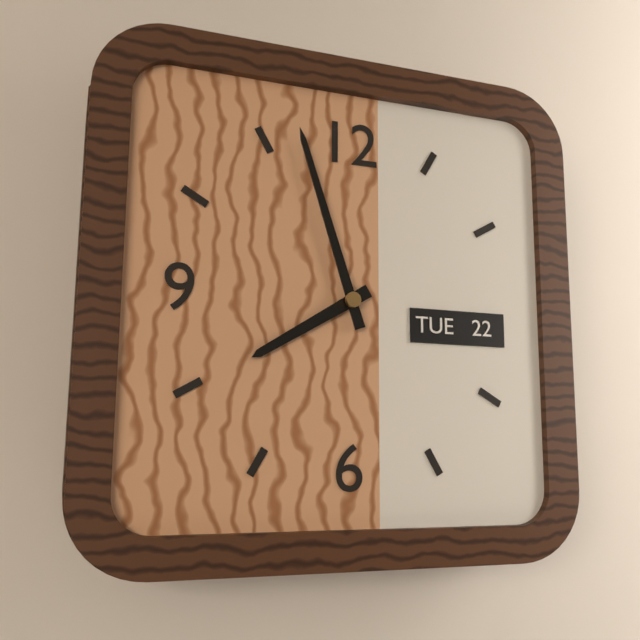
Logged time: 7,57
